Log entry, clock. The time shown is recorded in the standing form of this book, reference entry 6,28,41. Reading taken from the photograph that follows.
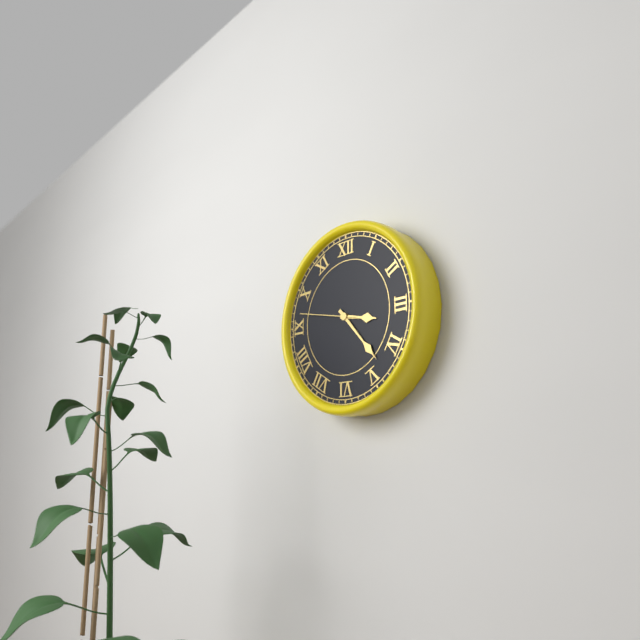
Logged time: 3,23,47
